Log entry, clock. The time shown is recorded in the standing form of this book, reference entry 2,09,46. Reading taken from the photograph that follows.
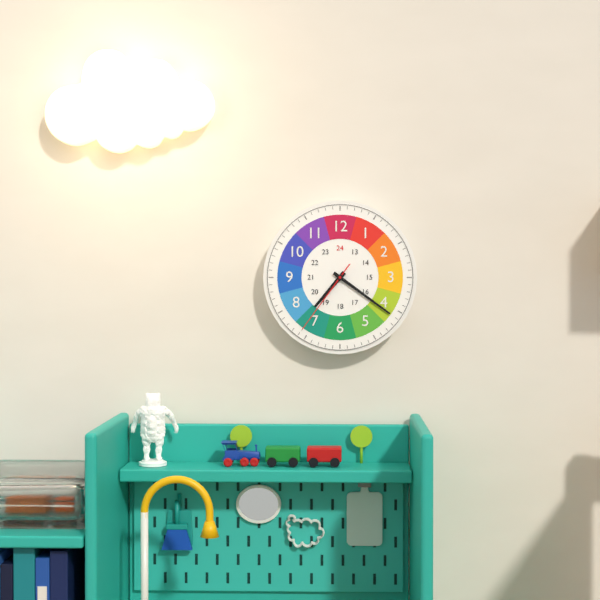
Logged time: 7,21,36
